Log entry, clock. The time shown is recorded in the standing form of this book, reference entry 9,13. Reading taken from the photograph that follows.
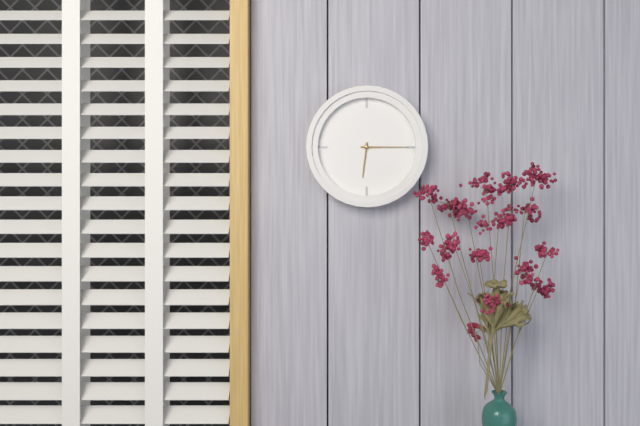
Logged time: 6,15
